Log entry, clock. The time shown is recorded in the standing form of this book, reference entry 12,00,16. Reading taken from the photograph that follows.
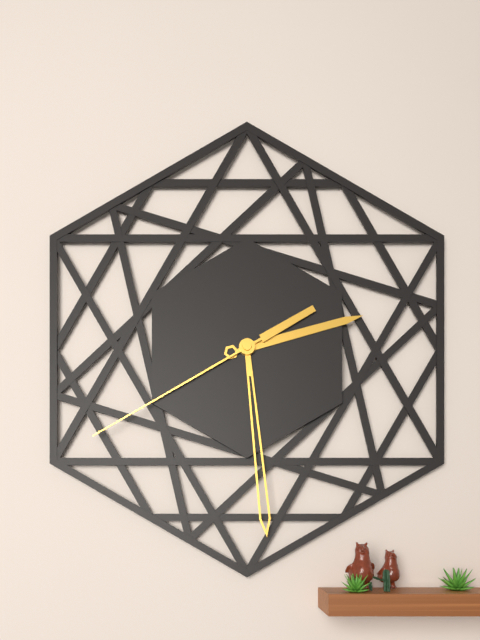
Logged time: 2,29,40
